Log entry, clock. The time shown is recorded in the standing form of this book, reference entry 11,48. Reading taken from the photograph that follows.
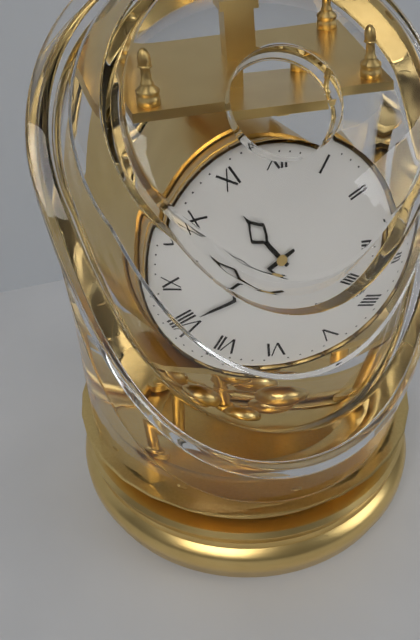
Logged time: 10,40
